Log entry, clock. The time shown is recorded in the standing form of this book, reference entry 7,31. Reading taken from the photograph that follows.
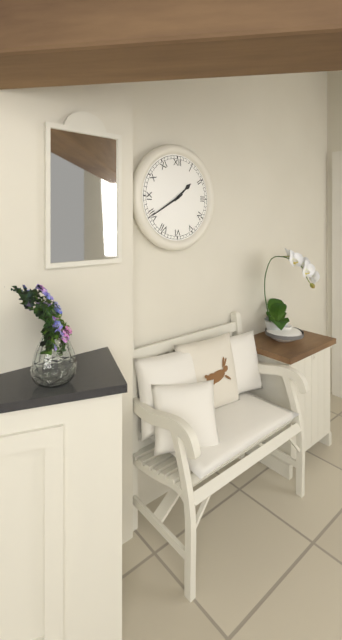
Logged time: 1,40
